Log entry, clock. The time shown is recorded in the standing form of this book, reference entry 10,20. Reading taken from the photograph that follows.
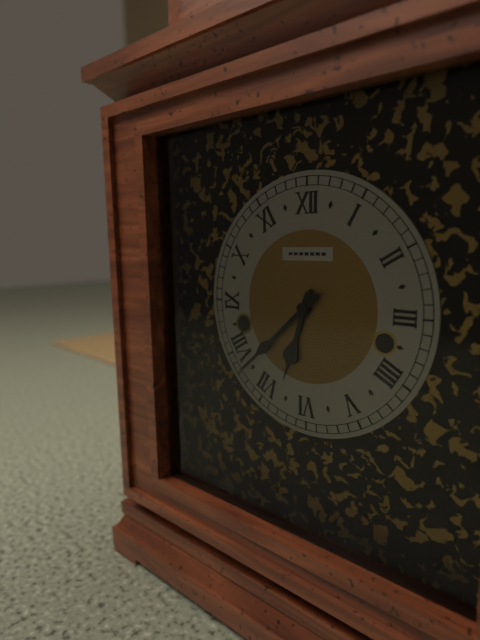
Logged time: 6,38
